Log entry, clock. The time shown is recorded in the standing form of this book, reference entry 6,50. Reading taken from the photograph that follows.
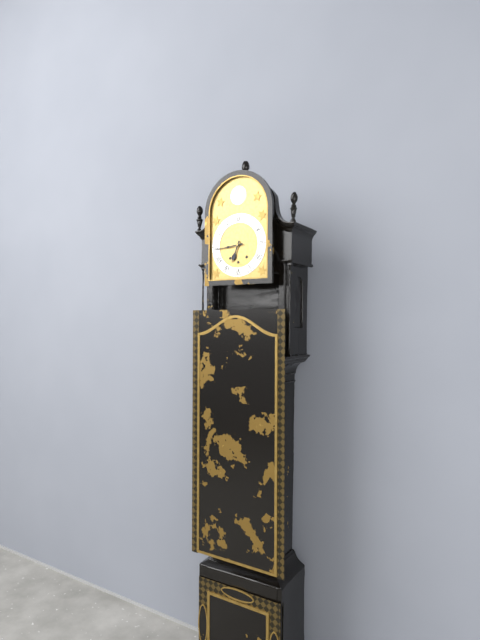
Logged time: 6,44
